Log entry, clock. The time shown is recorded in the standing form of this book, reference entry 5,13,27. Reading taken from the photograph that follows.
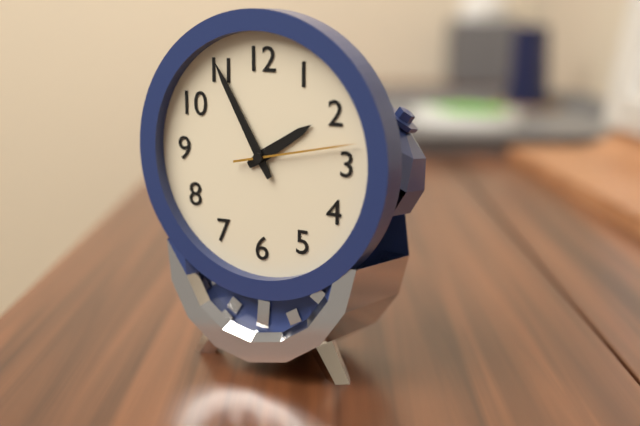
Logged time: 1,55,13
